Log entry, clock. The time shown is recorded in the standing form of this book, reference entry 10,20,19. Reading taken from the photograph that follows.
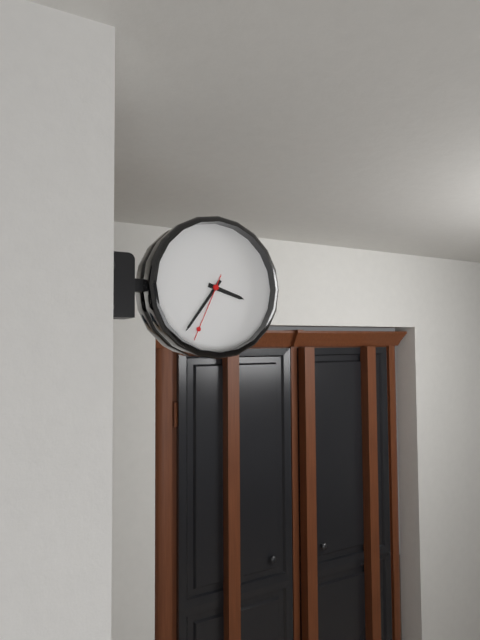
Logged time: 3,36,34
